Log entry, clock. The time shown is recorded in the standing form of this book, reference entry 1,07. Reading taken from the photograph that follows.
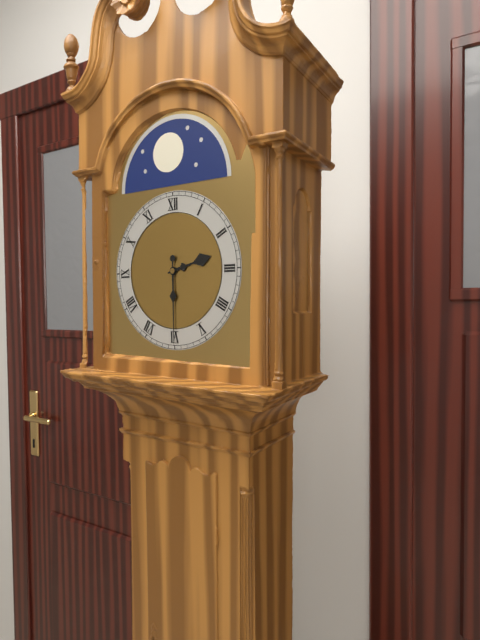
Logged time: 2,30
